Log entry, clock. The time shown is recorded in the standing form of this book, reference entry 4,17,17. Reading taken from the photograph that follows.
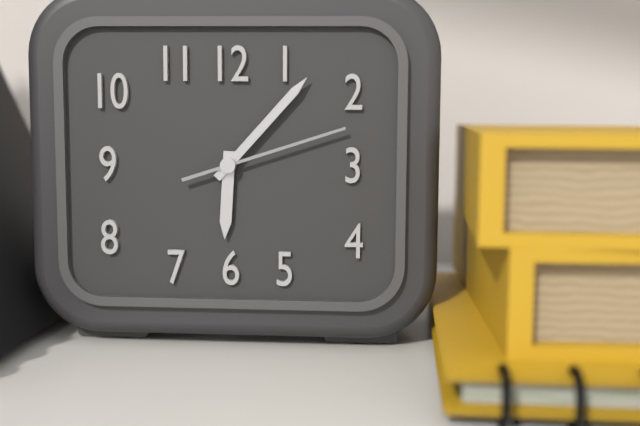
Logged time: 6,07,12
